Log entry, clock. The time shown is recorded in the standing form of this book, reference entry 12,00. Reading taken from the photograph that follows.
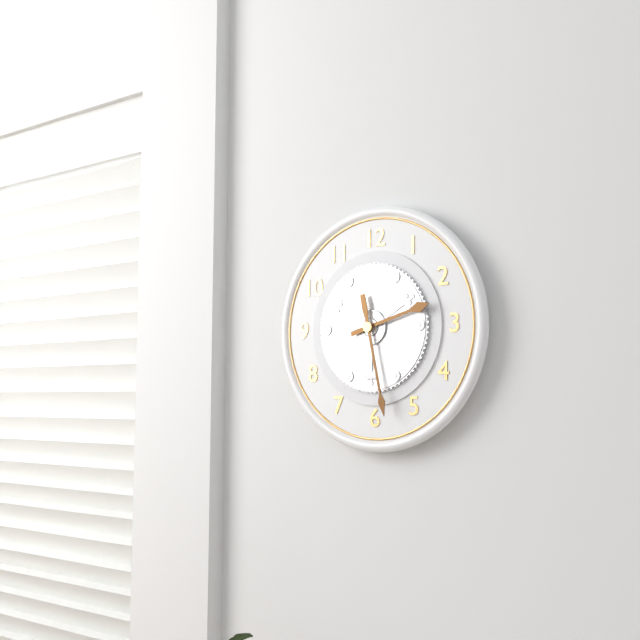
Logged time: 2,28
